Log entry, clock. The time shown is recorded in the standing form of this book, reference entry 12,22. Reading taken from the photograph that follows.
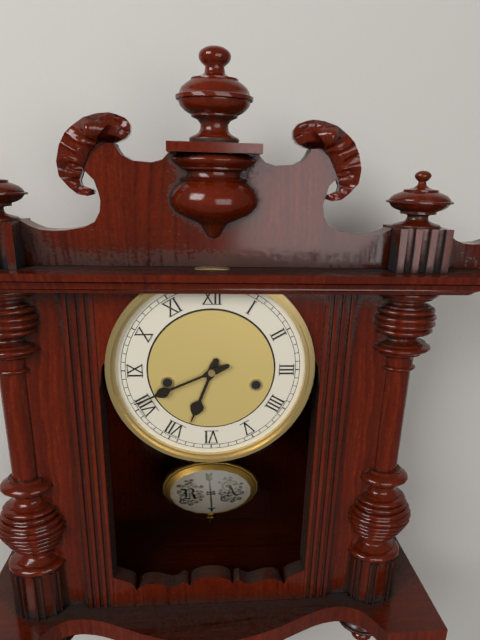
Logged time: 6,41
